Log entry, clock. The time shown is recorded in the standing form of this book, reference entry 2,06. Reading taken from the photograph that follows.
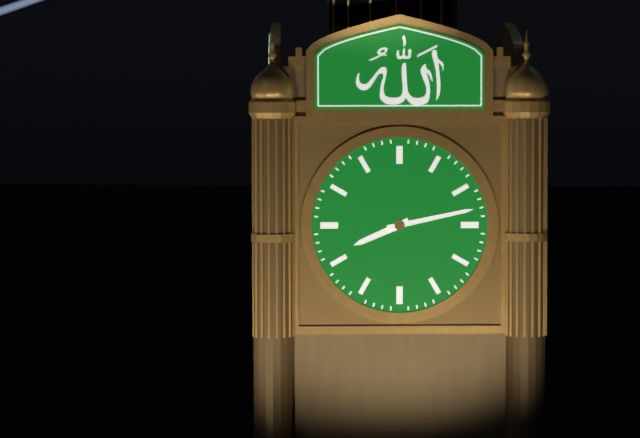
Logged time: 8,13
